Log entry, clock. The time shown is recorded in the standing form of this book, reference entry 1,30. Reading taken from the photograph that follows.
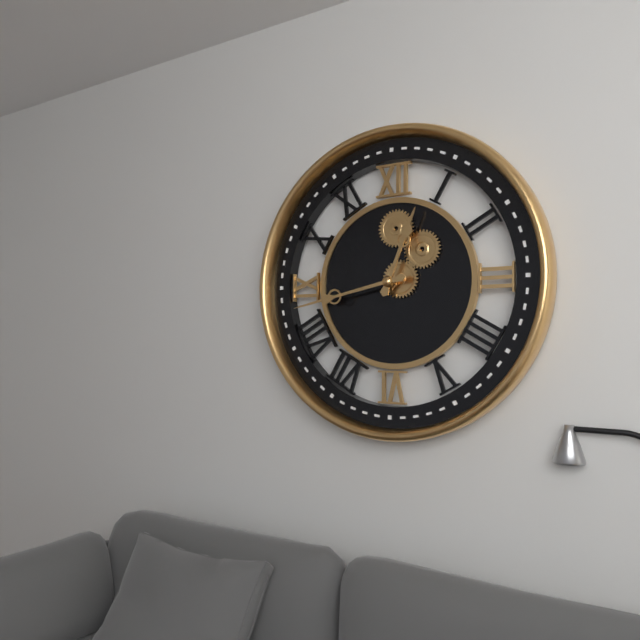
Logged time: 12,43
